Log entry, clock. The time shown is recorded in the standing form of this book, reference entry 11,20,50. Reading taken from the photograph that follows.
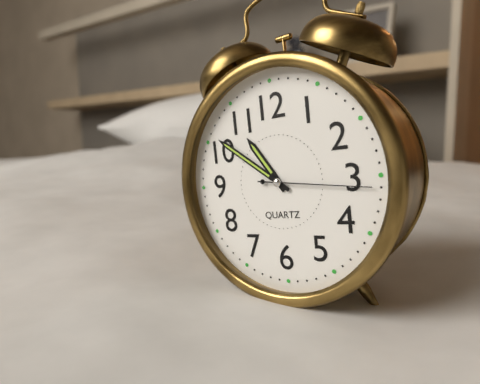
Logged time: 10,51,16
